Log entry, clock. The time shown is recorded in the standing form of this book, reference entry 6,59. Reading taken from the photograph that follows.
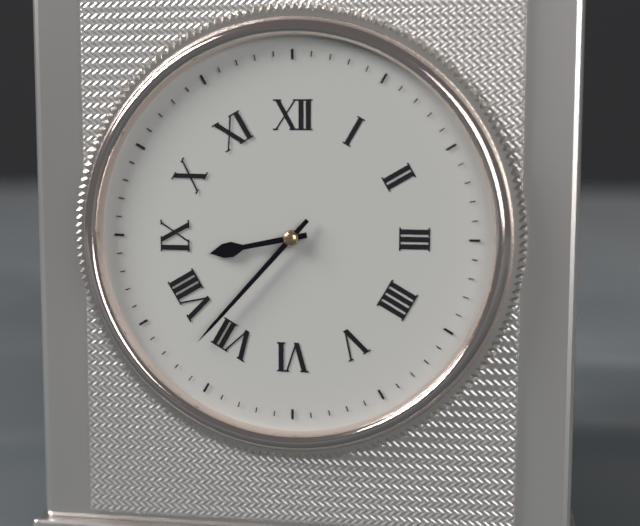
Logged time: 8,37
